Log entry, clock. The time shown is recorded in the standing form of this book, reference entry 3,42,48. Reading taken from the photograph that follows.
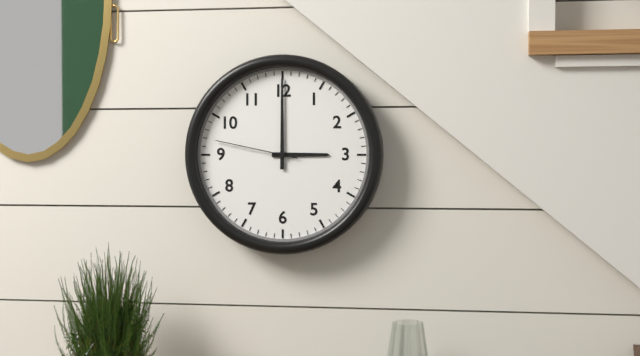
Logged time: 3,00,47
